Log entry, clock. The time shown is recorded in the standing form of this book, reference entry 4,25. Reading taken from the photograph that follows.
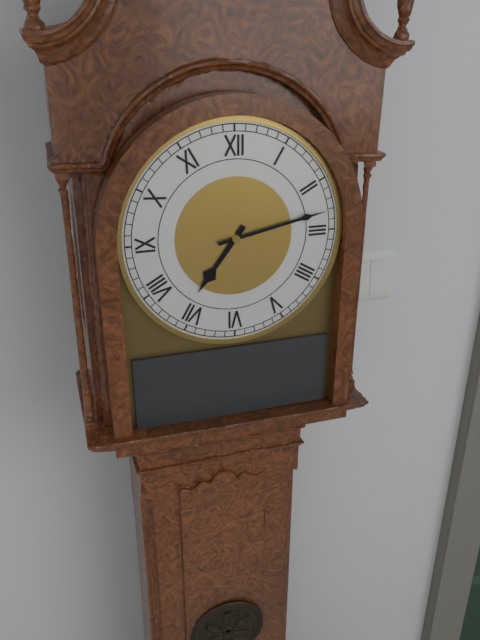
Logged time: 7,13
